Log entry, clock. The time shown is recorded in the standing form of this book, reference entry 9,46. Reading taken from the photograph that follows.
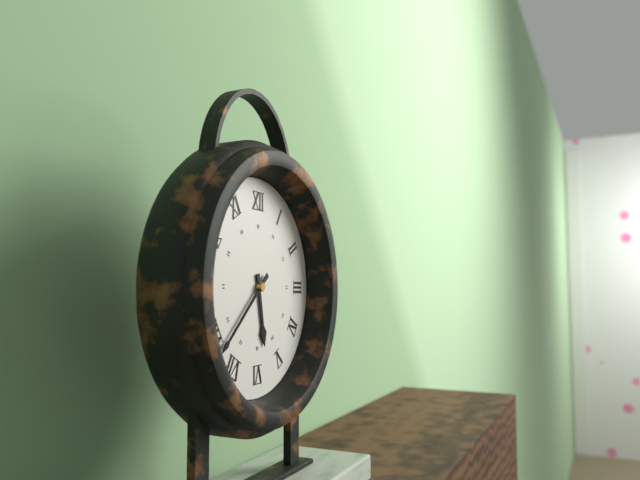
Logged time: 5,38
